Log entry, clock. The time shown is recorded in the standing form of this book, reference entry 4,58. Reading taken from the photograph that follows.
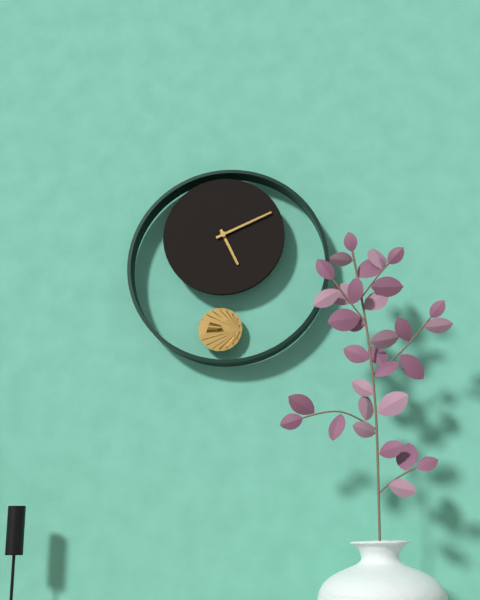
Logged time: 5,11
